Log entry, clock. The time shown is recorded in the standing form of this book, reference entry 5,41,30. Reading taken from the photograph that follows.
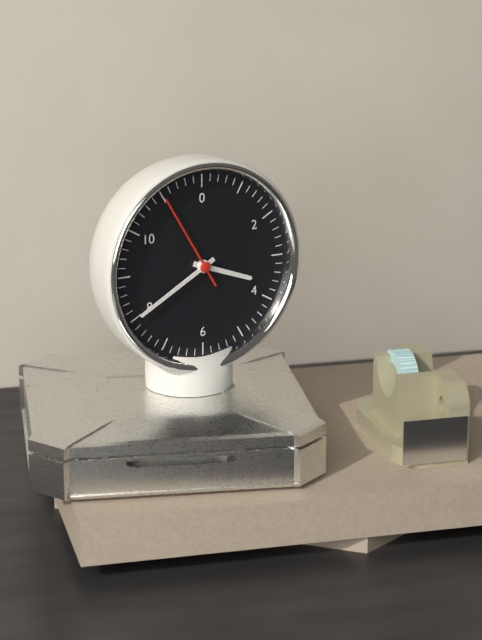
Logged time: 3,40,55
